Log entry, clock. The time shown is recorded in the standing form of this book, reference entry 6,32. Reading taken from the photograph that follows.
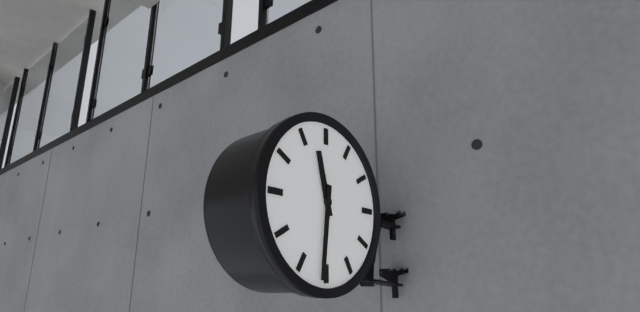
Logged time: 11,31
